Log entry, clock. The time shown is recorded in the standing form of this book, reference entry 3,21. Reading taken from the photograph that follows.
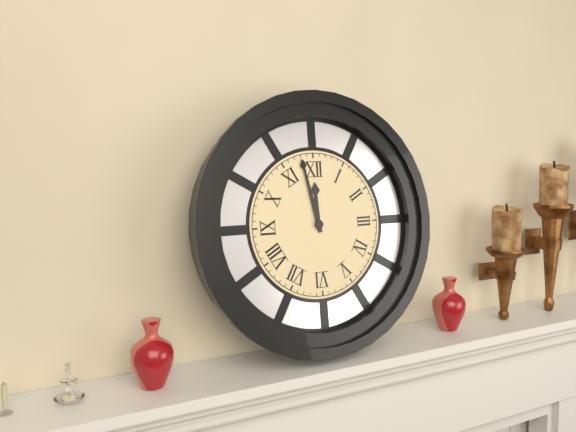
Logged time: 11,58
